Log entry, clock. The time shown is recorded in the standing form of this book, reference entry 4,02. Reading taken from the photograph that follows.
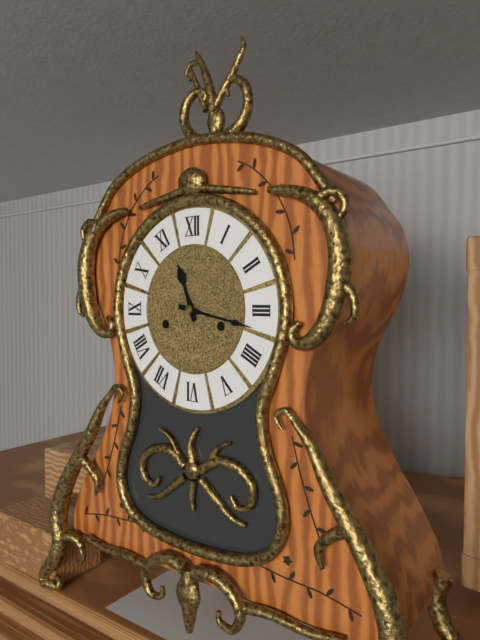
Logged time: 11,17
